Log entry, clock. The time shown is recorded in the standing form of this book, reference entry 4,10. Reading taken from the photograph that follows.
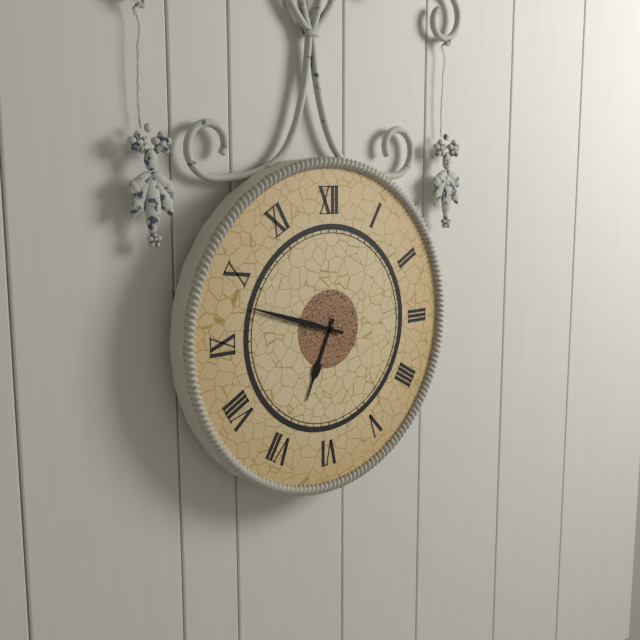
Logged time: 6,48
